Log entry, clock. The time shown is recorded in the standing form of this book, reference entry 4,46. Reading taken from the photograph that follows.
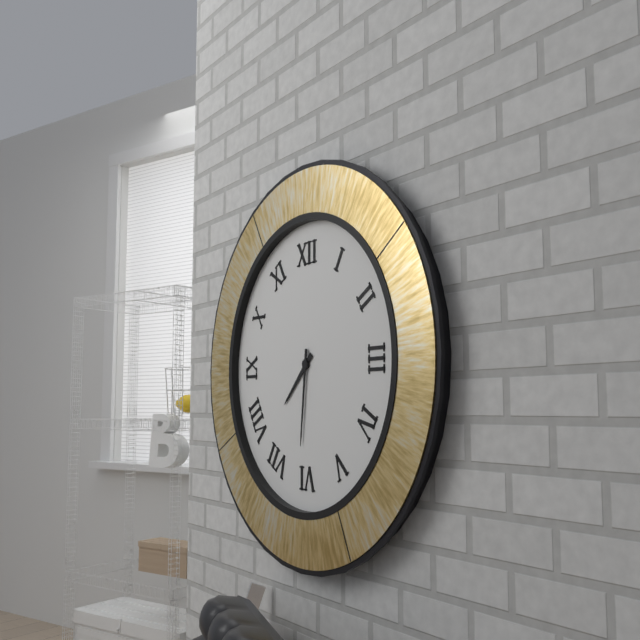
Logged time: 7,31
